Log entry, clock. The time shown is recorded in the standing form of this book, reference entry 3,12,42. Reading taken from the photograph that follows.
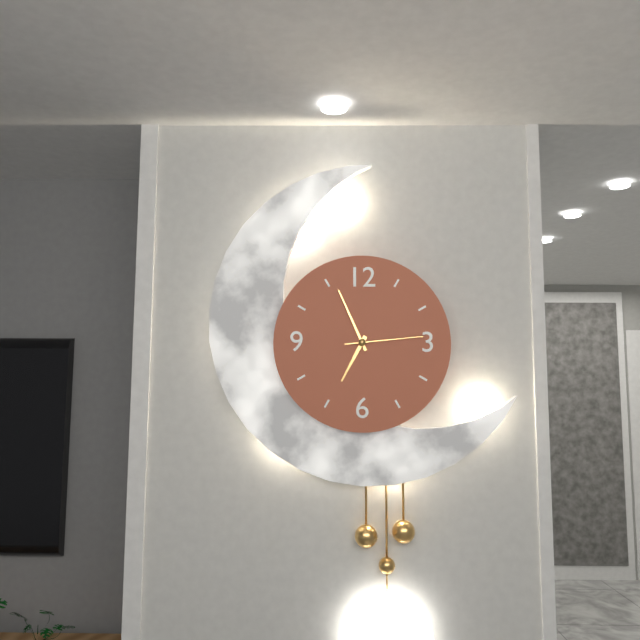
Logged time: 6,56,14
